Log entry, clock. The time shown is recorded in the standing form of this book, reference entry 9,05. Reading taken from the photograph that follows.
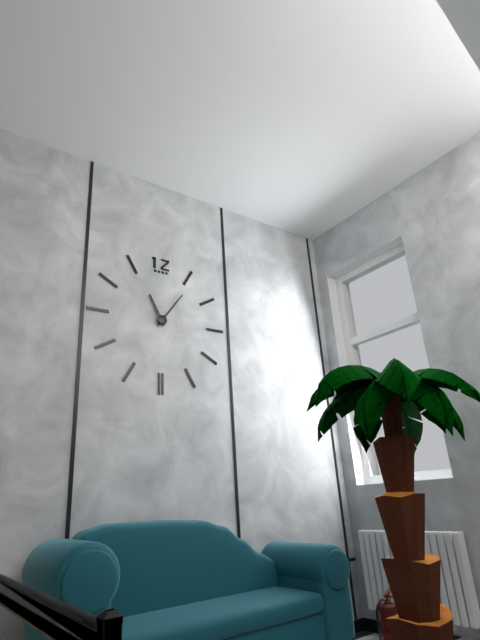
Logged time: 11,06
